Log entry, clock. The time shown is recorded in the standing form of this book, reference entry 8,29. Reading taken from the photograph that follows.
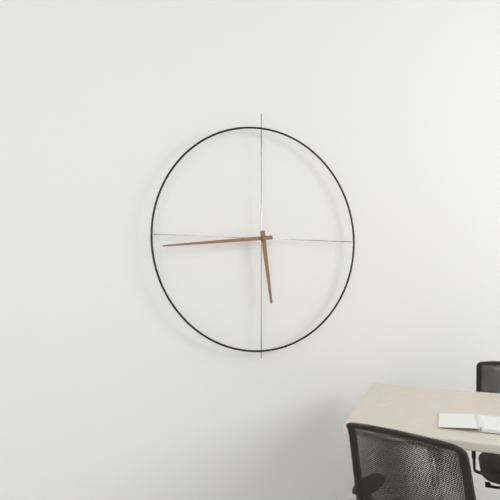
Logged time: 5,44
